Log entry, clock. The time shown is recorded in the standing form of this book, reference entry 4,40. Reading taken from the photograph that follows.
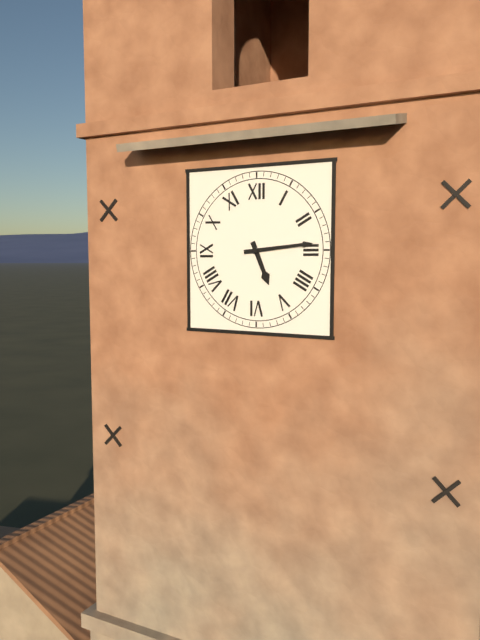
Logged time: 5,14
